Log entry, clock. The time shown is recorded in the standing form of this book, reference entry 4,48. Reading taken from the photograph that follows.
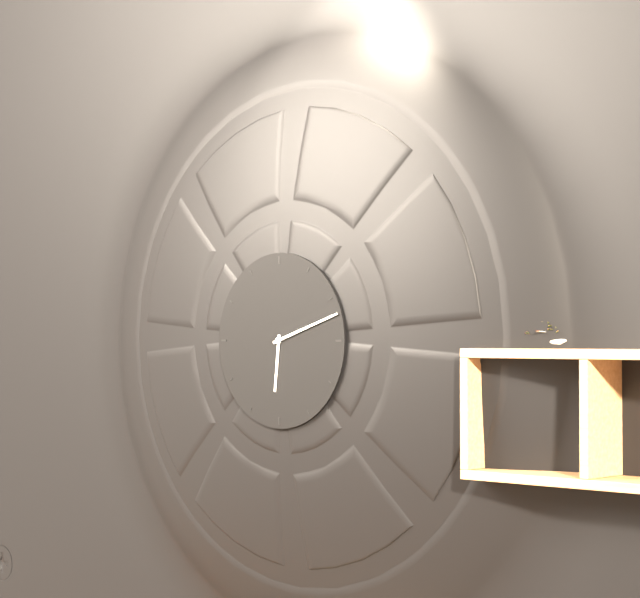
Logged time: 6,12
